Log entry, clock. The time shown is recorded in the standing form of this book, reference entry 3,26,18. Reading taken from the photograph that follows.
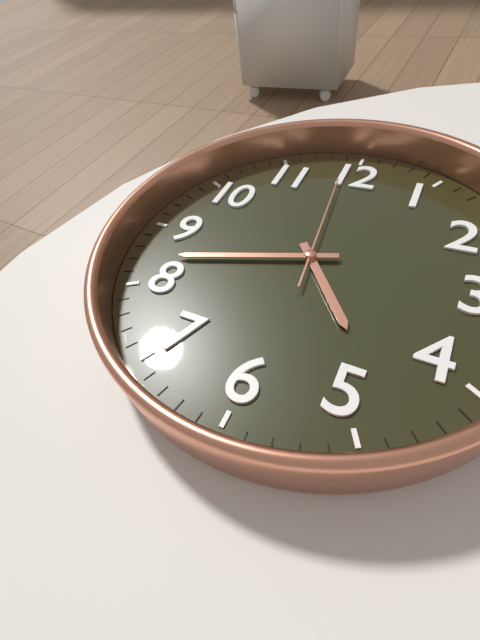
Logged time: 4,42,59
